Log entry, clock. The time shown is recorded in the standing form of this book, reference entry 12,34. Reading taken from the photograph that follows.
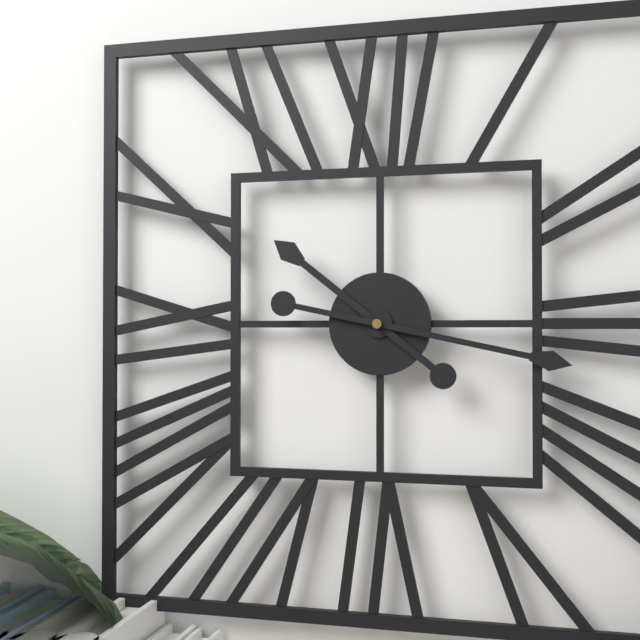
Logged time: 10,17
